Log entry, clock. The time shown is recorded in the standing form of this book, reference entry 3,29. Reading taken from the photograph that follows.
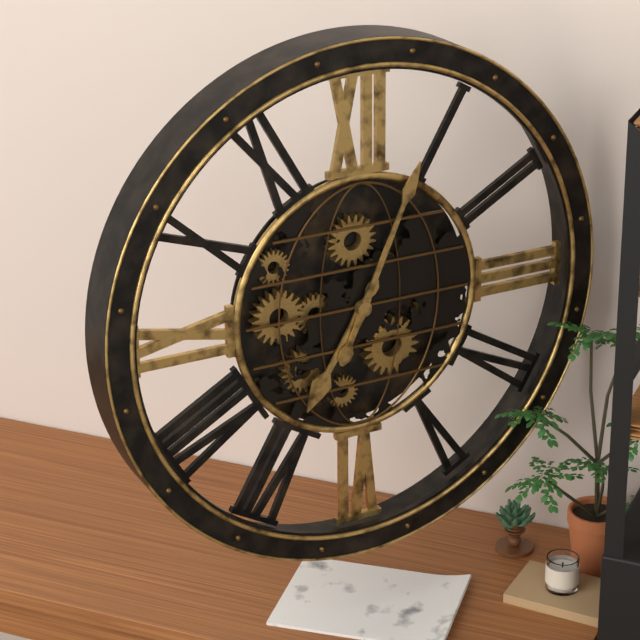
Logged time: 7,04
